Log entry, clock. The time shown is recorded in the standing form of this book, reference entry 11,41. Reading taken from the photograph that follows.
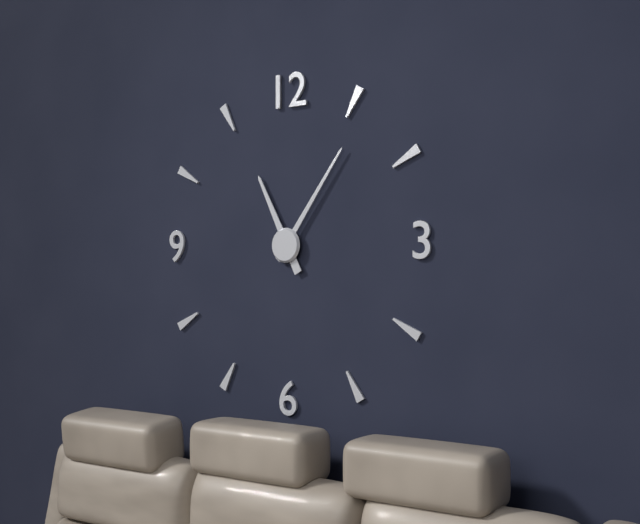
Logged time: 11,06
